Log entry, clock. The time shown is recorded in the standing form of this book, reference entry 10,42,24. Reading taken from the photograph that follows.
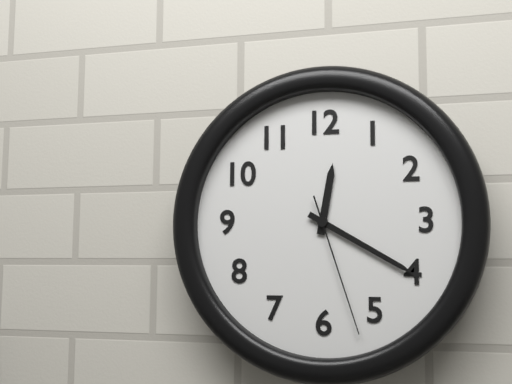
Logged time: 12,20,27
